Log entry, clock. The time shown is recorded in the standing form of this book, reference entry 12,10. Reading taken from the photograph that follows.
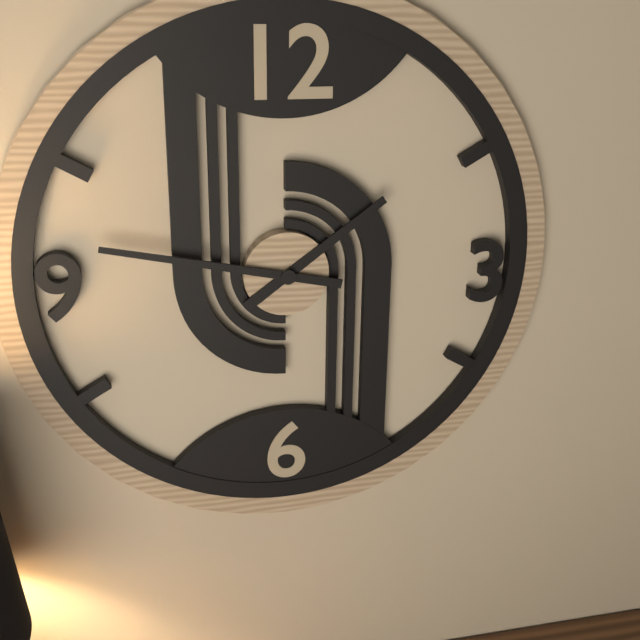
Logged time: 1,47
